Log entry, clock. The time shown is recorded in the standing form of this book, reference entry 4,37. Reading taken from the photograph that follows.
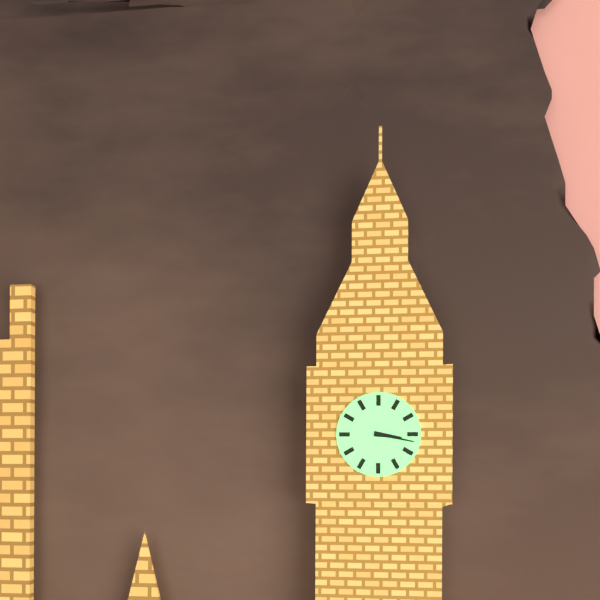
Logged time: 3,17
